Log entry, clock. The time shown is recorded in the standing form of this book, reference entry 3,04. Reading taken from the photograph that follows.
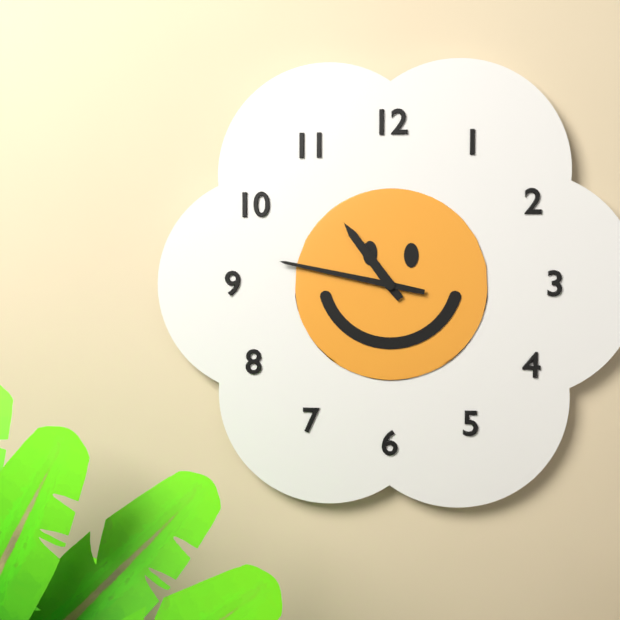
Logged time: 10,47
